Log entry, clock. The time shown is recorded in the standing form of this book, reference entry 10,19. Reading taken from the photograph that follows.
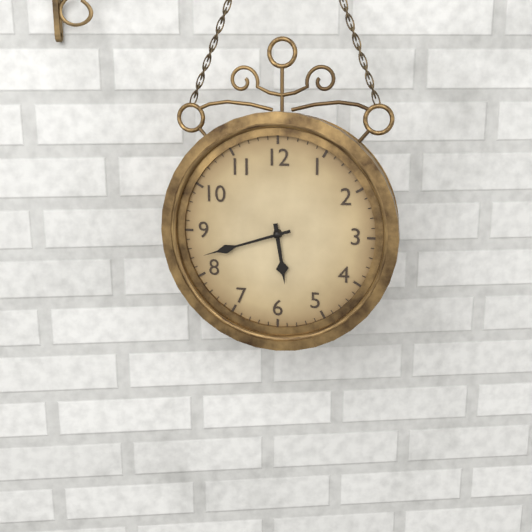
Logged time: 5,42
